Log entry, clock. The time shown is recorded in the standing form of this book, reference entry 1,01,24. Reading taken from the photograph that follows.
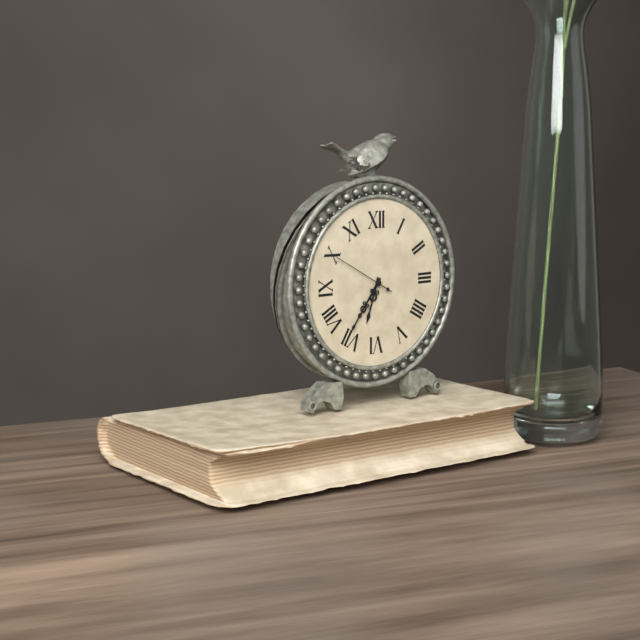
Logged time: 6,36,50
